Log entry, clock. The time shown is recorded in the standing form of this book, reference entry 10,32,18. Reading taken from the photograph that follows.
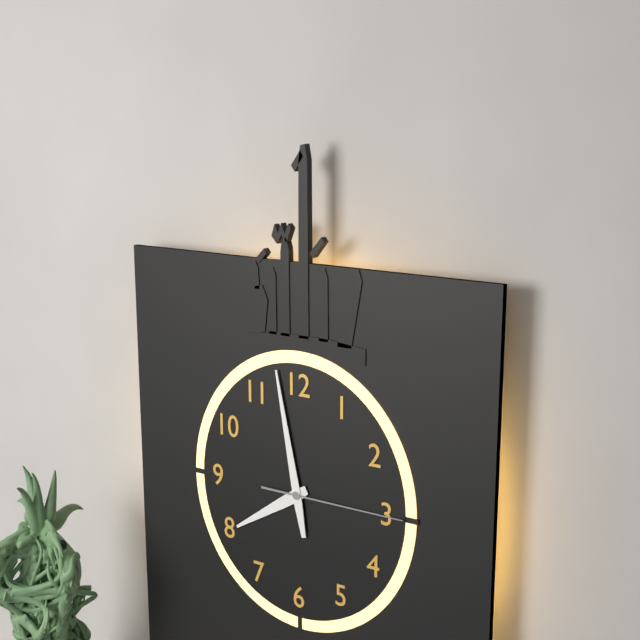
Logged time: 7,58,15
